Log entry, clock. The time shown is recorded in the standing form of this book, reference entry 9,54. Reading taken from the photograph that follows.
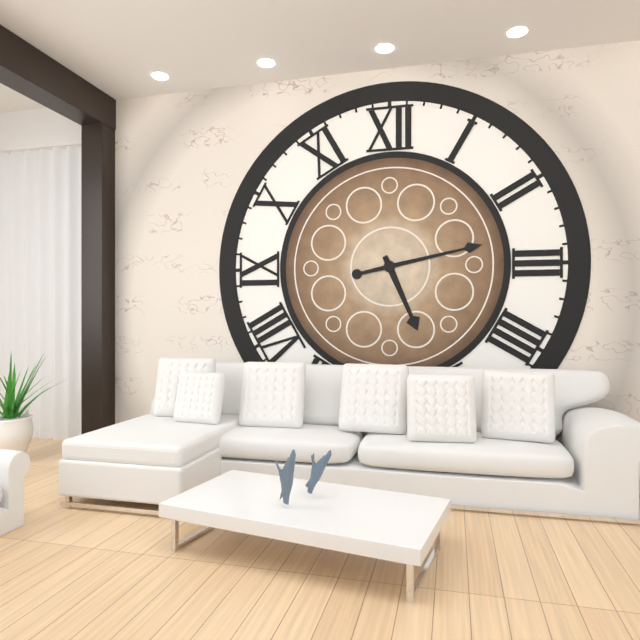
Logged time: 5,13
